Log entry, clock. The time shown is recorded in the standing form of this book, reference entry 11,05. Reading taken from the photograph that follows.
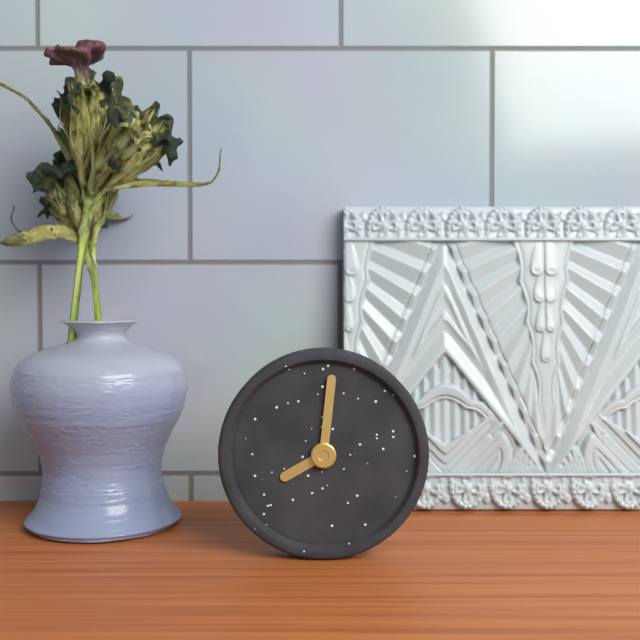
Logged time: 8,01
